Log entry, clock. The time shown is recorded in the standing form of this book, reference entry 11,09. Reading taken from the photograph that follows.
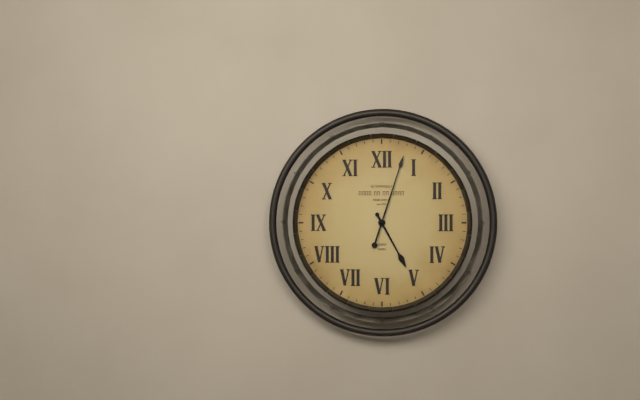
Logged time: 5,03
